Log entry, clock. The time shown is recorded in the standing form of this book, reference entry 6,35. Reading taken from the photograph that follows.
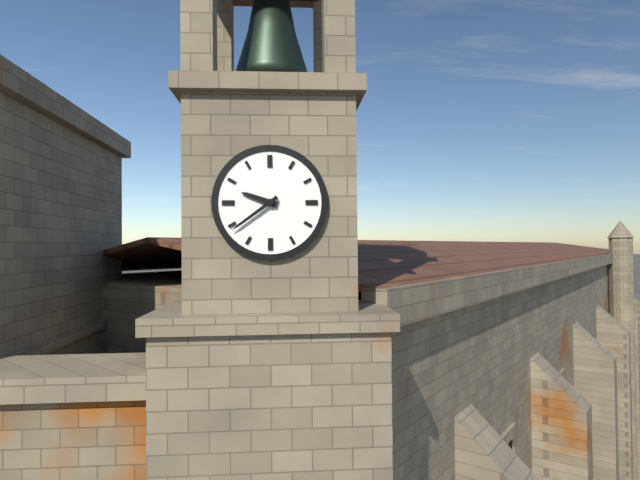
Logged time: 9,39
